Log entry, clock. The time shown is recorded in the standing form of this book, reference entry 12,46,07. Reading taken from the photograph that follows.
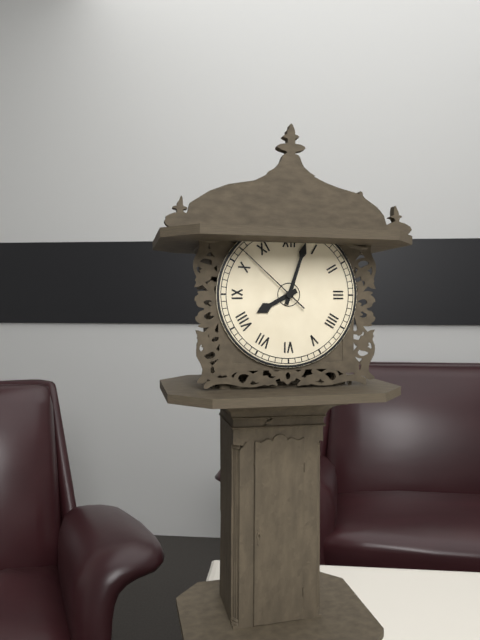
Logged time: 8,03,52
